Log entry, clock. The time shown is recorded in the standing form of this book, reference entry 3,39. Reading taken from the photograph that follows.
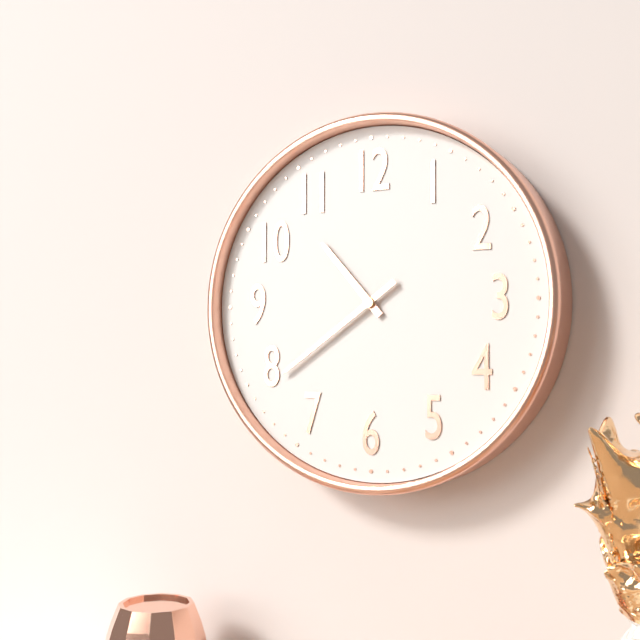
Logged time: 10,39
